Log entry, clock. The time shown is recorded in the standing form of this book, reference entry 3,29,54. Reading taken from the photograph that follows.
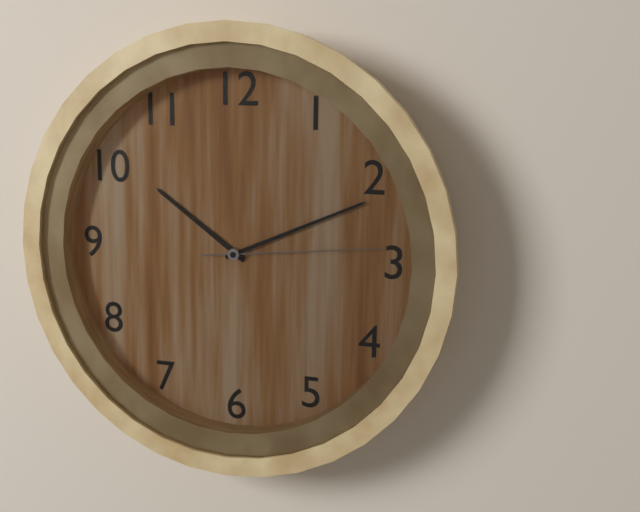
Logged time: 10,11,14
